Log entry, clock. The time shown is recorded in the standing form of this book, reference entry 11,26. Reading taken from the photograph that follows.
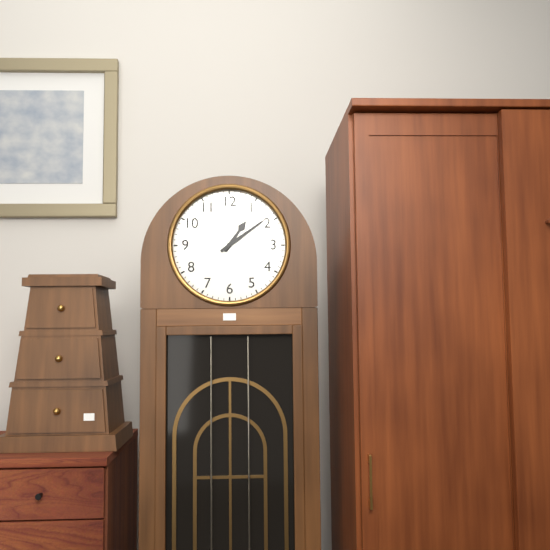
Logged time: 1,09
